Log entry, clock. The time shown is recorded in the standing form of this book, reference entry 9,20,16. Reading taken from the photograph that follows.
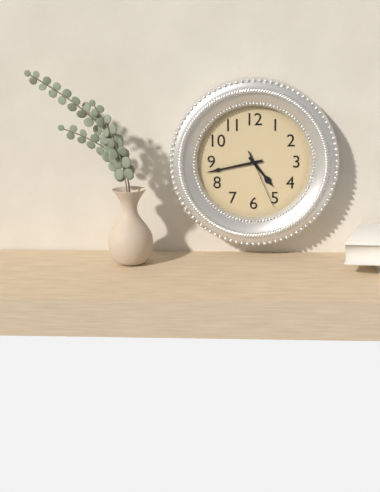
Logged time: 4,43,26
